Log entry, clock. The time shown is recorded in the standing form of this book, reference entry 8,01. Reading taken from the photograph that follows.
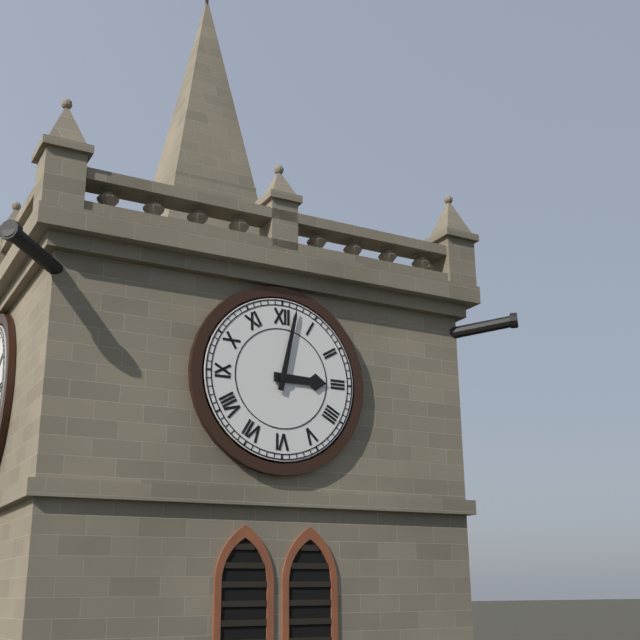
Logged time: 3,02
